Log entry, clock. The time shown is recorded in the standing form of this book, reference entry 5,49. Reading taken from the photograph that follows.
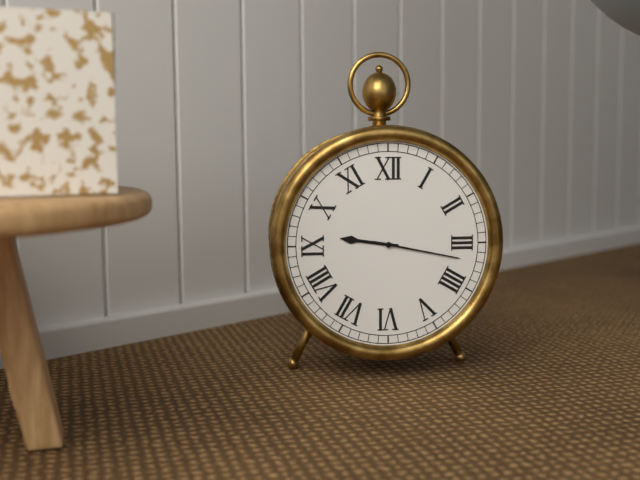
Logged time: 9,17
